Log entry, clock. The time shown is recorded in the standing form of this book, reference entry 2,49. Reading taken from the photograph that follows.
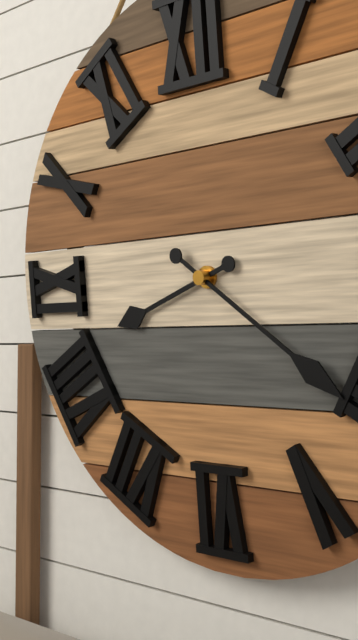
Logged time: 8,21
